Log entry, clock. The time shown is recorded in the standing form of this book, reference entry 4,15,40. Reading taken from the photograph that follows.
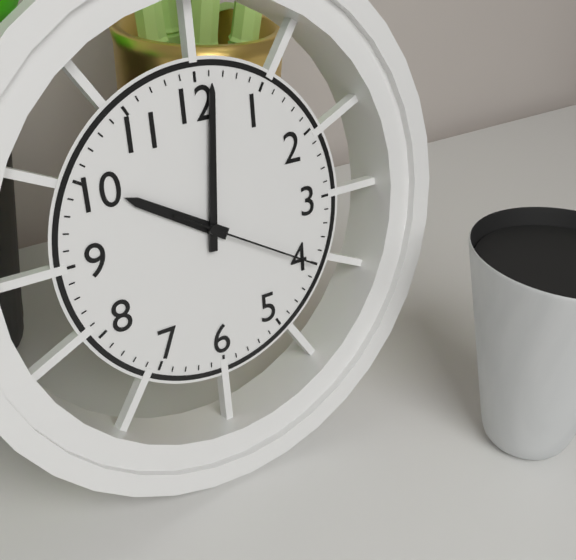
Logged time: 10,01,20
